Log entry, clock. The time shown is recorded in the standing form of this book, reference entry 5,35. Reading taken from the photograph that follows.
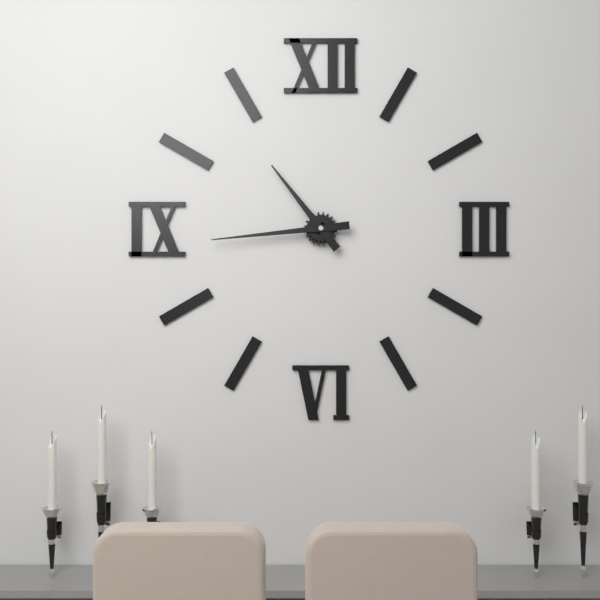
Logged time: 10,44
